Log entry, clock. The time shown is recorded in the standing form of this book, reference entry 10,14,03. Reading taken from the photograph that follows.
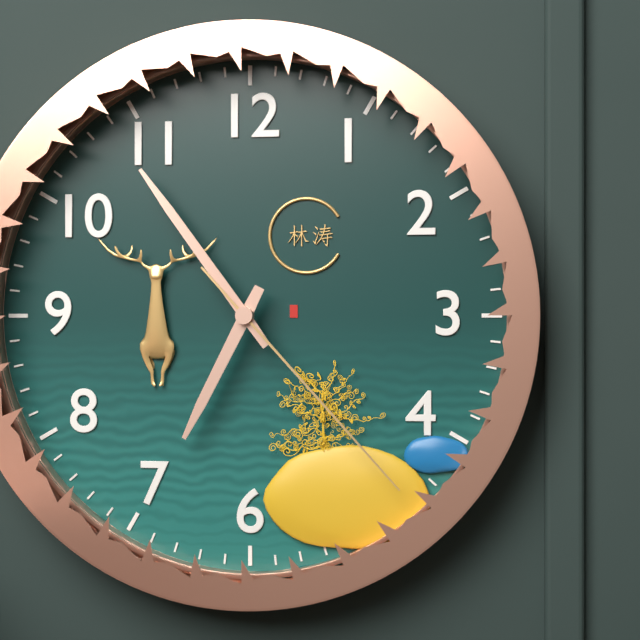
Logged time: 6,54,23
